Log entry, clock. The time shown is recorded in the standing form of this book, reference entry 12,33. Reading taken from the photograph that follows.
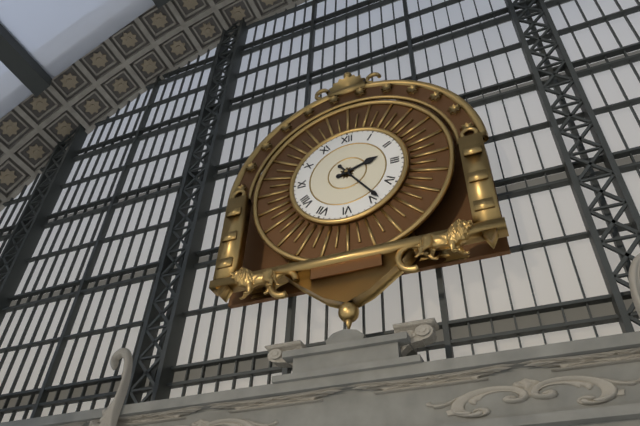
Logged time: 2,24
